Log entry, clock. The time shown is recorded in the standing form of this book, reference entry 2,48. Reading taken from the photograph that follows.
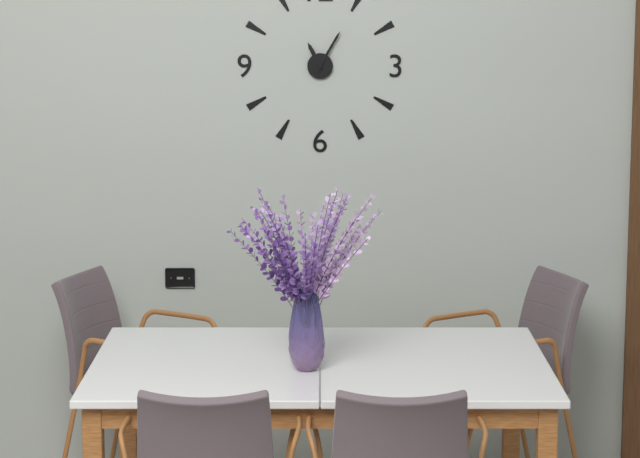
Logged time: 11,05
